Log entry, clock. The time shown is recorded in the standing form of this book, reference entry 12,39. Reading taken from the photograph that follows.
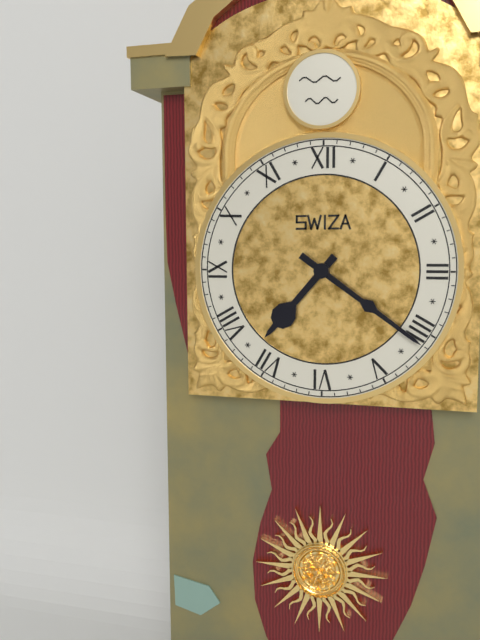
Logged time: 7,21
